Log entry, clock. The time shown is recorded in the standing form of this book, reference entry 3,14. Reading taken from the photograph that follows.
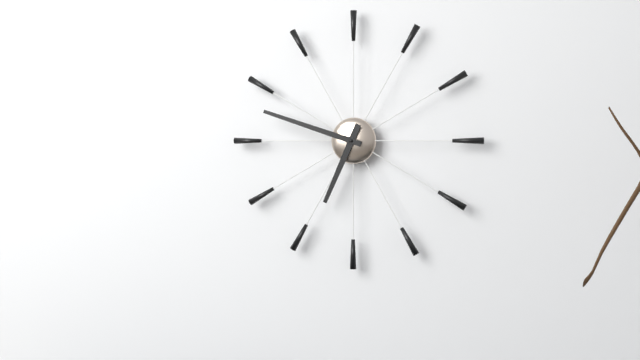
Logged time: 6,48
